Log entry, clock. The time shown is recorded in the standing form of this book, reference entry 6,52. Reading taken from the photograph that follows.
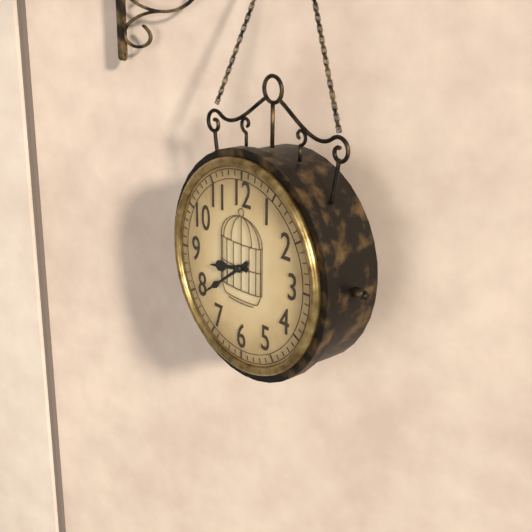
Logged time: 8,39
